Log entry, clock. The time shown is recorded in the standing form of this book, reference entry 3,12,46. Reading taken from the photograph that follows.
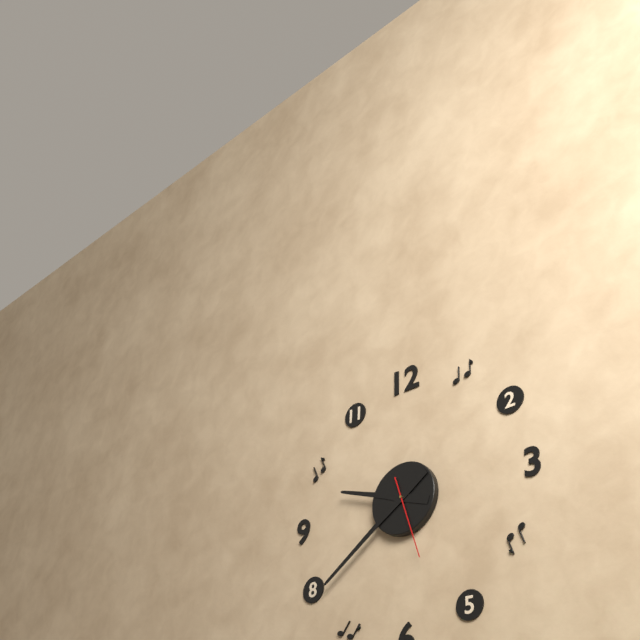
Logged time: 9,39,27
